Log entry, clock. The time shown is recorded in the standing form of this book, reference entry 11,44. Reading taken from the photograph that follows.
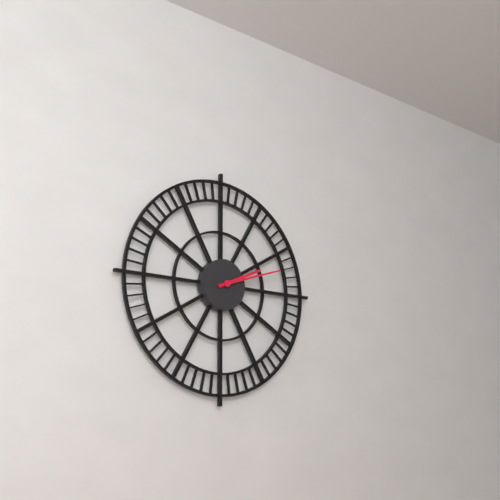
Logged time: 2,12
